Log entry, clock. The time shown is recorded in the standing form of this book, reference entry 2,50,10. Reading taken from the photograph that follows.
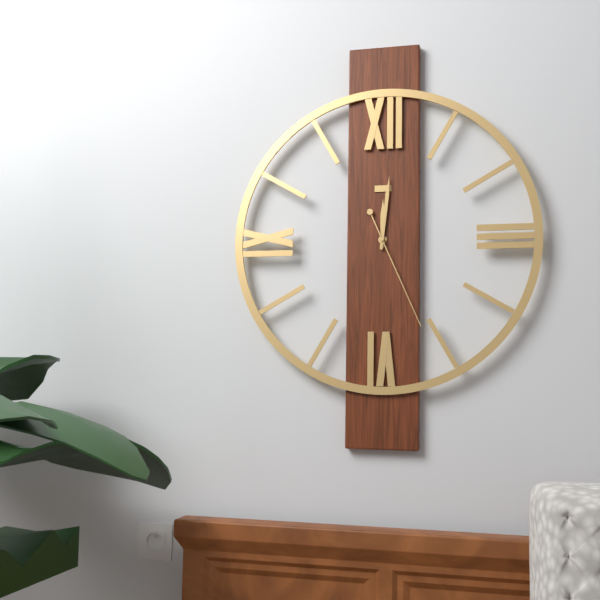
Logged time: 12,01,26
